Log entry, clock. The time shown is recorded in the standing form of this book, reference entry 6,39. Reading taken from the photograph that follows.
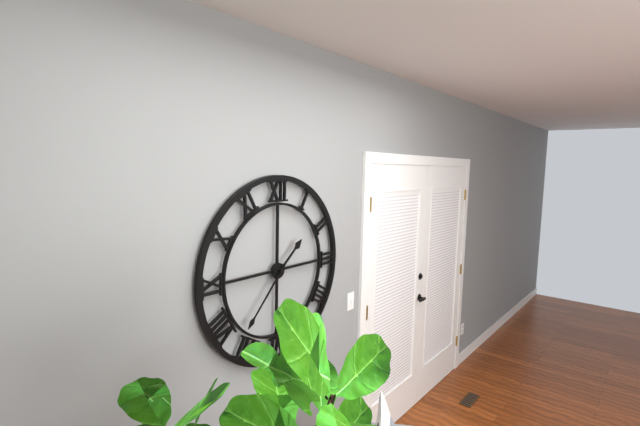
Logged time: 1,37
